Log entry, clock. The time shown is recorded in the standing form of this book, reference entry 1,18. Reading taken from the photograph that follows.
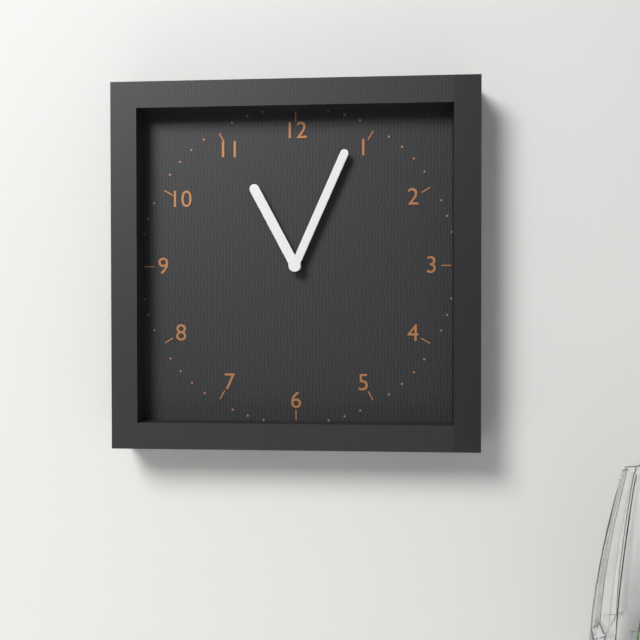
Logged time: 11,04
